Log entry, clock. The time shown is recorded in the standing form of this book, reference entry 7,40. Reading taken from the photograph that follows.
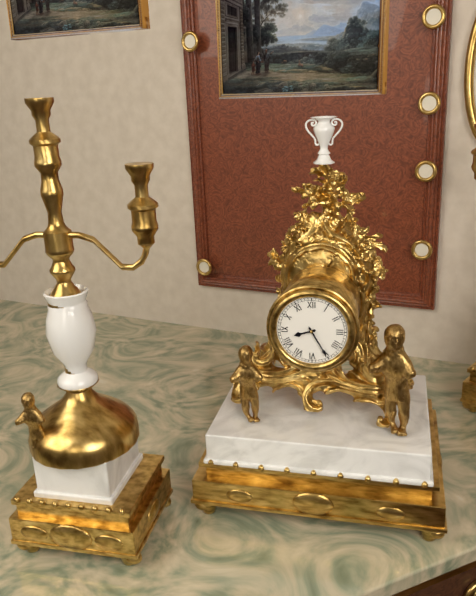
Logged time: 8,25
